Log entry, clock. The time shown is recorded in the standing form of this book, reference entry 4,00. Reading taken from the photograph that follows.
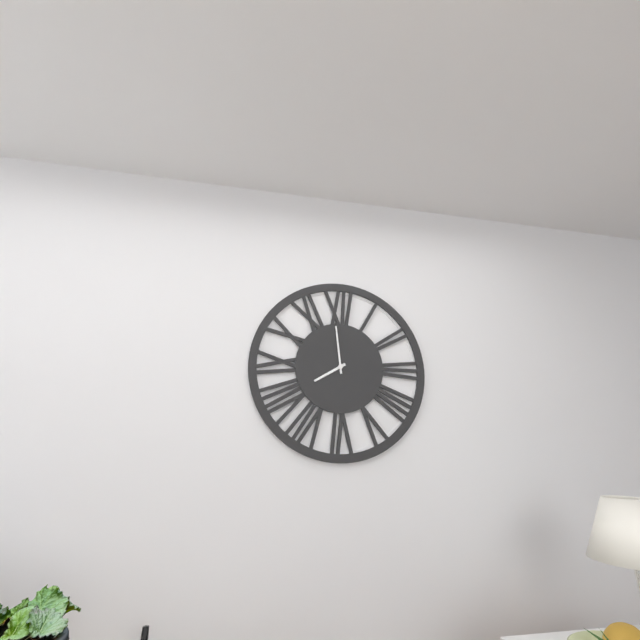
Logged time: 7,59
